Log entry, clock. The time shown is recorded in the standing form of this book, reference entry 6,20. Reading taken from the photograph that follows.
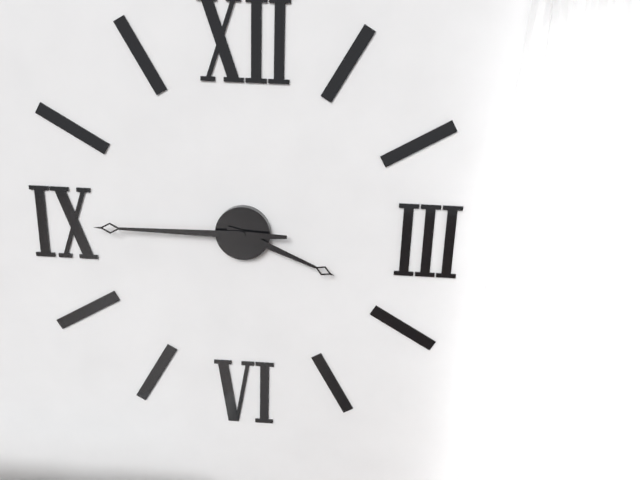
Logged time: 3,45
